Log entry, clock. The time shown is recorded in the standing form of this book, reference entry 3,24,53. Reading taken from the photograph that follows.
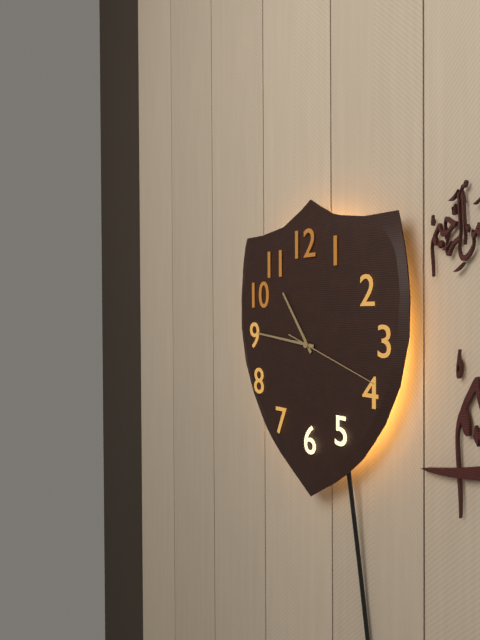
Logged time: 10,46,18
